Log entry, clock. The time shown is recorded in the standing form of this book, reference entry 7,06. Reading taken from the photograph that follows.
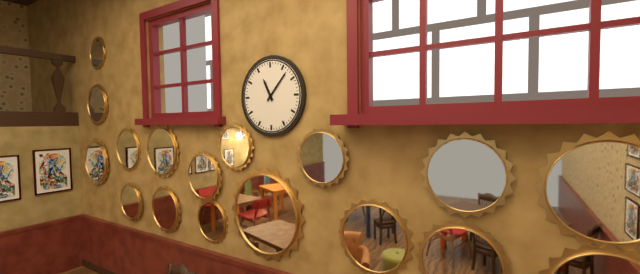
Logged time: 11,07
